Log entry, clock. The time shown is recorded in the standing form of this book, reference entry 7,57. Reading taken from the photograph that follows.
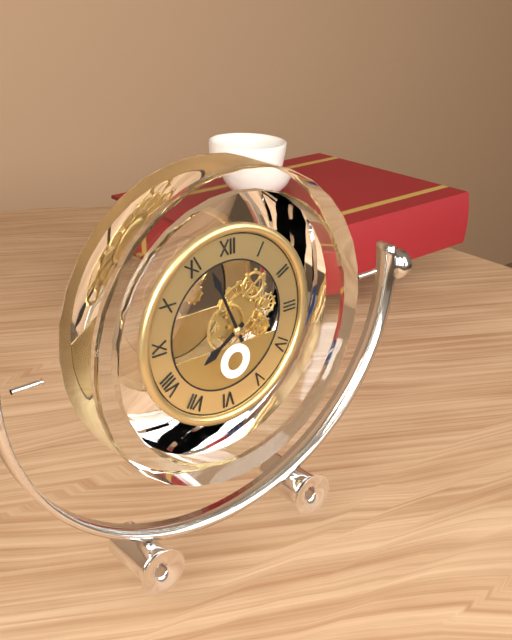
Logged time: 7,56
